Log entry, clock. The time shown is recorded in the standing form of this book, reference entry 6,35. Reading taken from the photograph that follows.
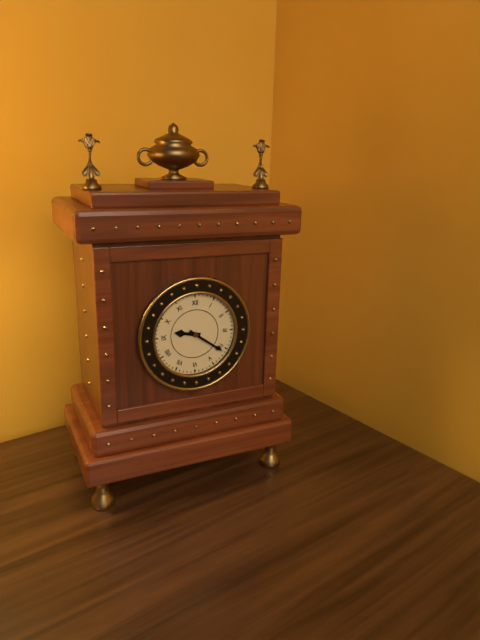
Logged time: 9,21
